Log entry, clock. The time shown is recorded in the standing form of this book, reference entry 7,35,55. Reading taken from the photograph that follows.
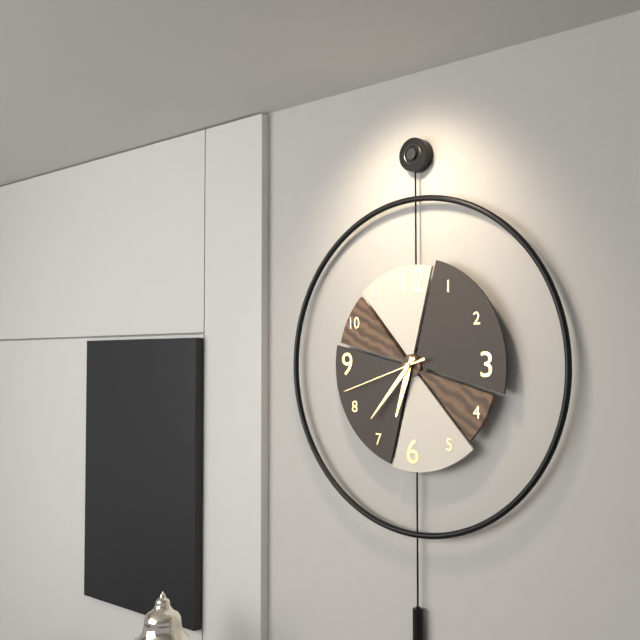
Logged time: 6,37,42
